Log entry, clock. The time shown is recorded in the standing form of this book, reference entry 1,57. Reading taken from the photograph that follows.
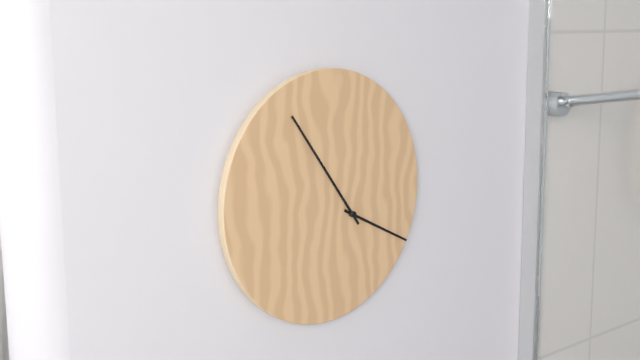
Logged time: 3,54
